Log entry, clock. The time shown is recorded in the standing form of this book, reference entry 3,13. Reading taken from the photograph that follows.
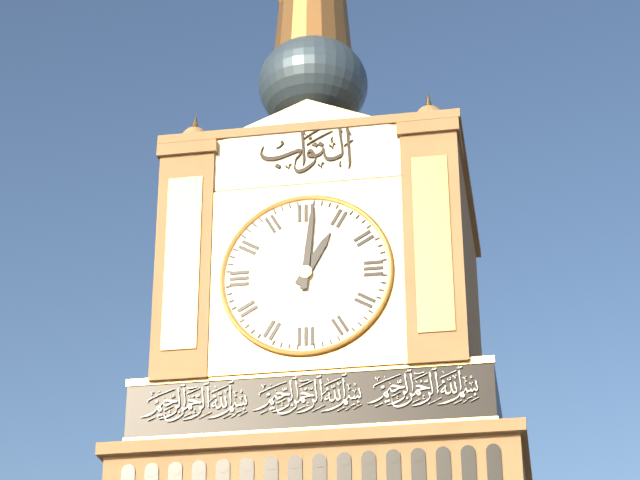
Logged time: 1,01
